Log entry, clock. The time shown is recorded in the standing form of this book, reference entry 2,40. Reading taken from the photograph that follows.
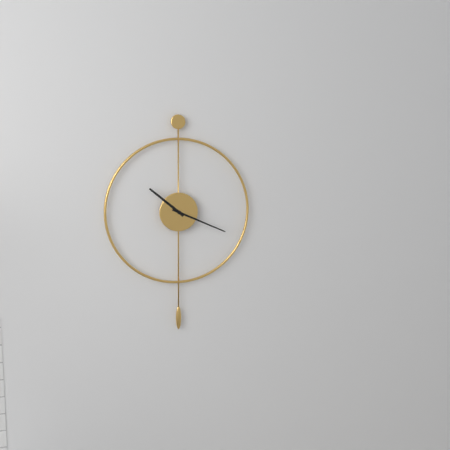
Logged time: 10,19
